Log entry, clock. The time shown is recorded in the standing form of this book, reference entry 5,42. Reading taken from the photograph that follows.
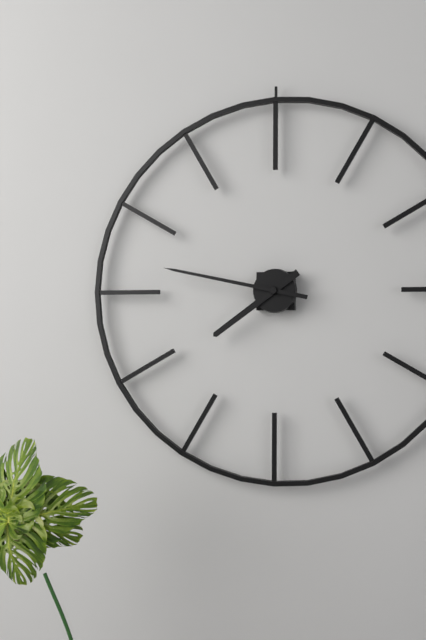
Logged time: 7,47
